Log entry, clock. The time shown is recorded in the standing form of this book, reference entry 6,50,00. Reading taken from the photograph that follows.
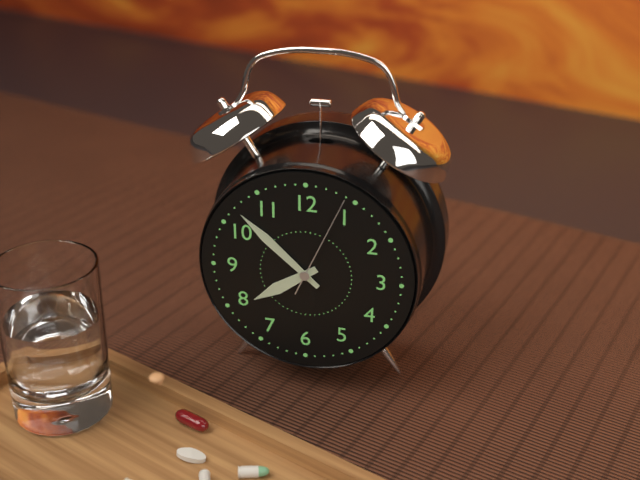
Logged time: 7,52,04
